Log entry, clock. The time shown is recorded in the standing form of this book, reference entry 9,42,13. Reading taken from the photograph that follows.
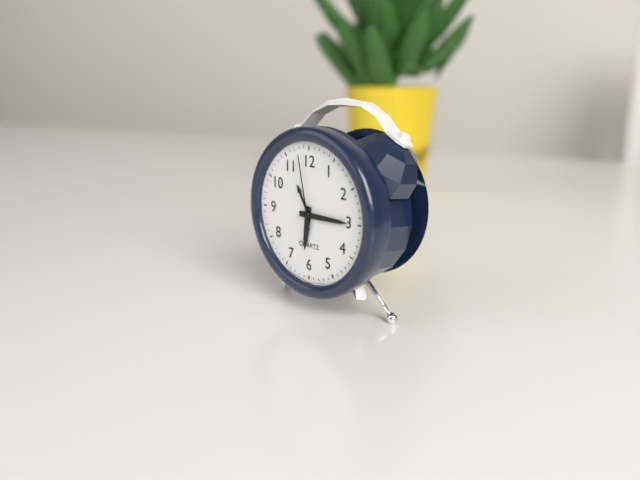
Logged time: 6,15,58
